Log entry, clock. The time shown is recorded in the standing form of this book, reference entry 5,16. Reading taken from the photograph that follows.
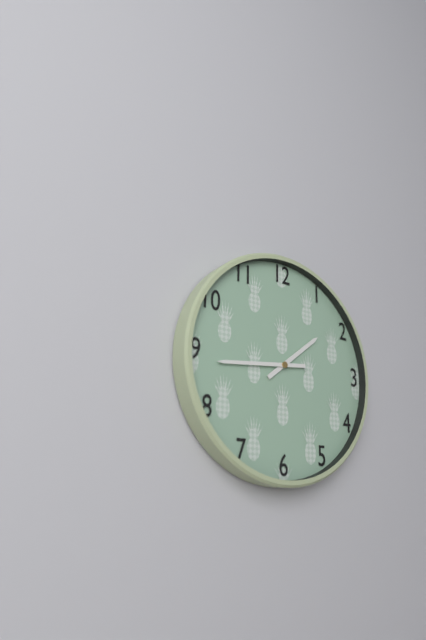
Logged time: 1,44
